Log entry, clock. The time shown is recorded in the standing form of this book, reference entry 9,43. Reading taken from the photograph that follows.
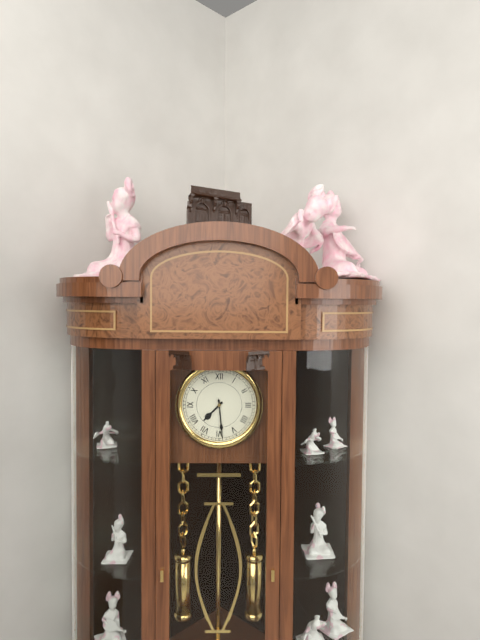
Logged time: 7,29
